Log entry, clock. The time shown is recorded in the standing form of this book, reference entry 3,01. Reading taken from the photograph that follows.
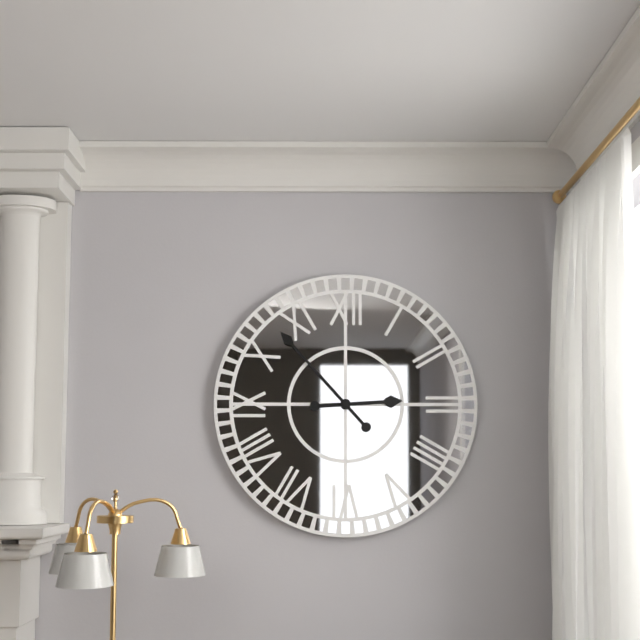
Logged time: 2,53
